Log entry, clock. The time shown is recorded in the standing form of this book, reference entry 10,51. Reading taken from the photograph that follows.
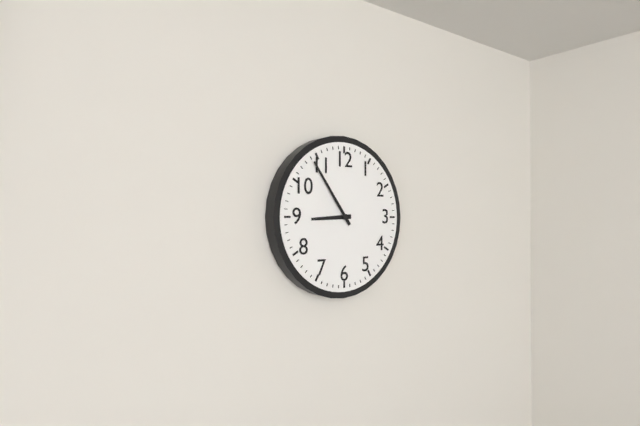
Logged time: 8,54
